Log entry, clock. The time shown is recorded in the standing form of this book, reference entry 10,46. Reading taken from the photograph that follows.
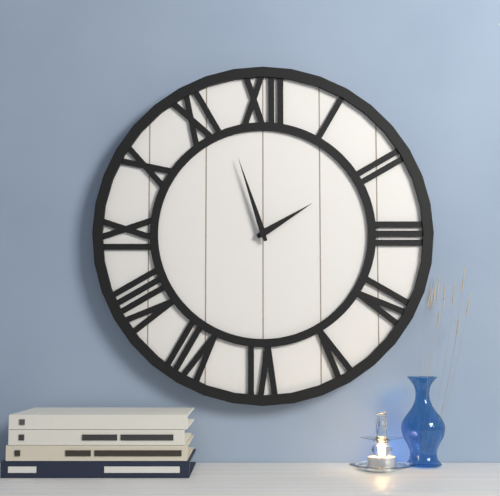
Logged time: 1,57
